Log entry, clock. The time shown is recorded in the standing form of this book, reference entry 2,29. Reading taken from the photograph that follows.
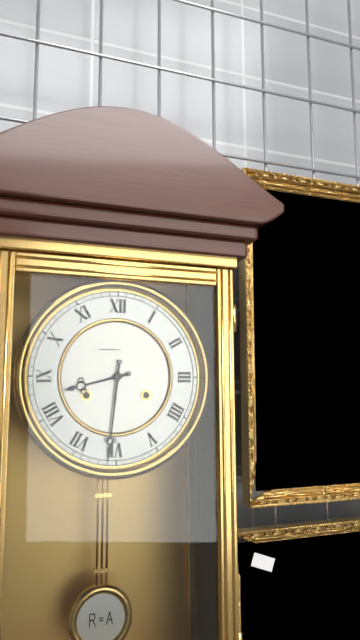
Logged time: 8,31
